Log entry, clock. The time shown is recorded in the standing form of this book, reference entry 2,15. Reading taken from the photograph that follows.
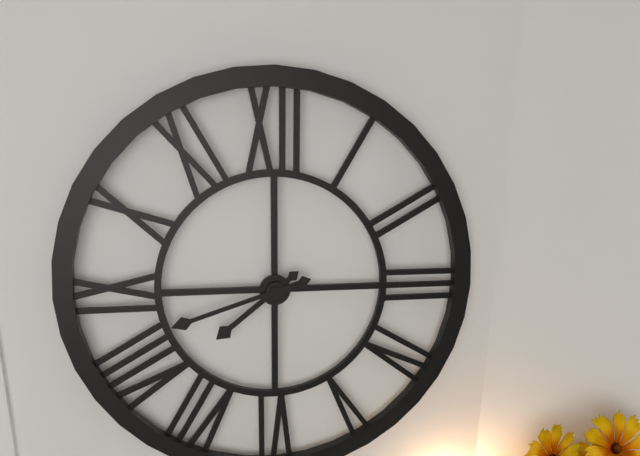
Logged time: 7,42
